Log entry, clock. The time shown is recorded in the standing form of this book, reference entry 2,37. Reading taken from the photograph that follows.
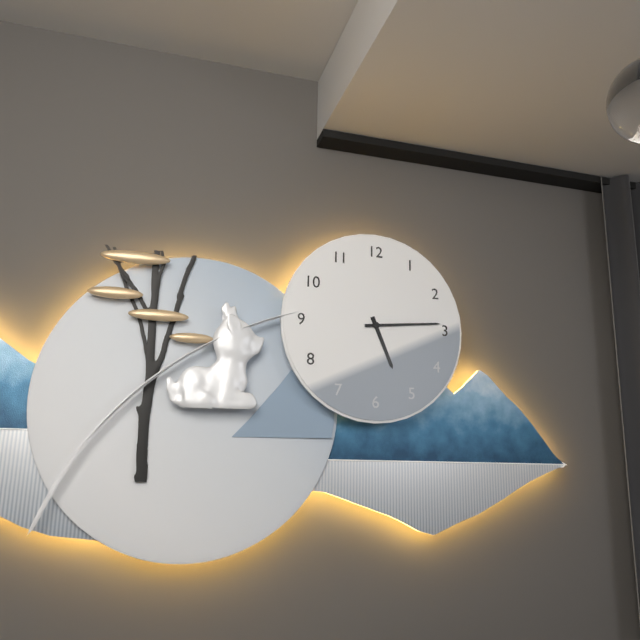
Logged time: 5,14
